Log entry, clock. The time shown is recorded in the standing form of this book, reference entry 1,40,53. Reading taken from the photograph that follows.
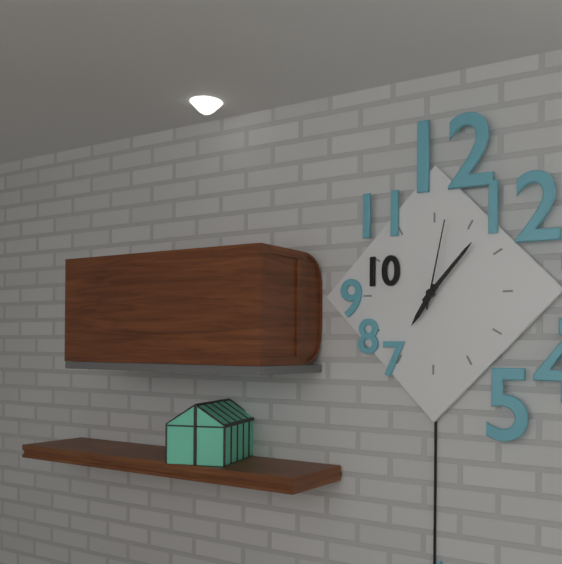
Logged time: 7,07,02
